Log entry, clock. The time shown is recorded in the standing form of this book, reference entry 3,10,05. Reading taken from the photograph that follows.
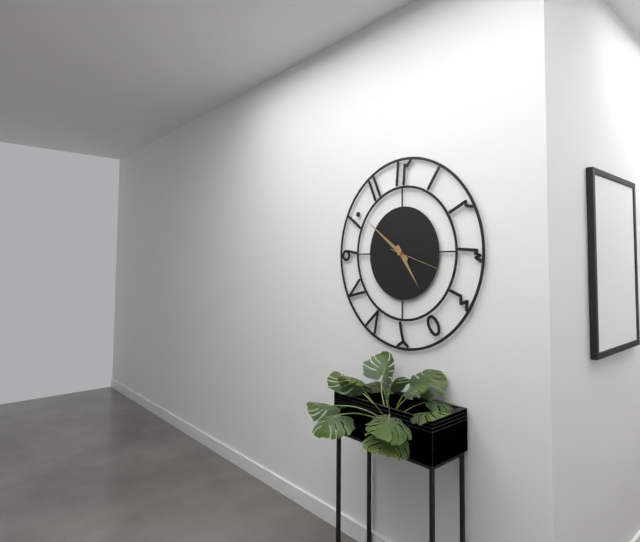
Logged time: 4,51,18
